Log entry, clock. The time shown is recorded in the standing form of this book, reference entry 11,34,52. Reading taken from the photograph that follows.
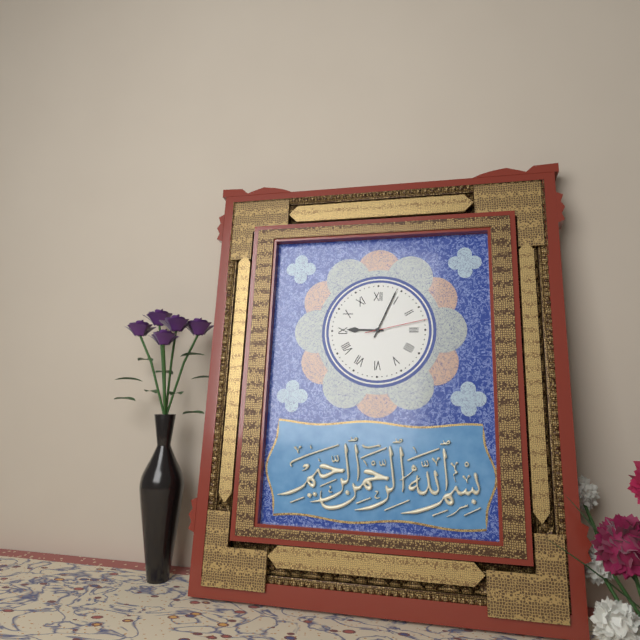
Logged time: 9,04,13
